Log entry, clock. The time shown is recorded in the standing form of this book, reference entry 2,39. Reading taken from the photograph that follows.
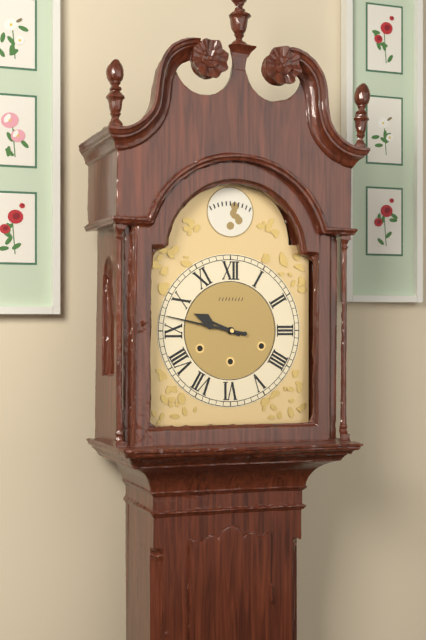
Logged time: 9,47
